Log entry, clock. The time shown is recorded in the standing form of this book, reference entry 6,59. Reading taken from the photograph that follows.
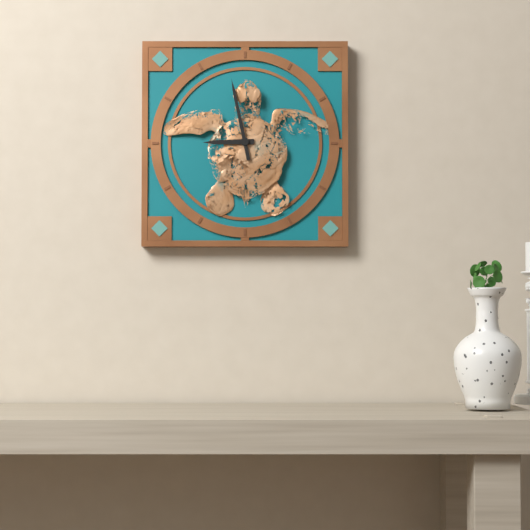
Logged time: 8,58
